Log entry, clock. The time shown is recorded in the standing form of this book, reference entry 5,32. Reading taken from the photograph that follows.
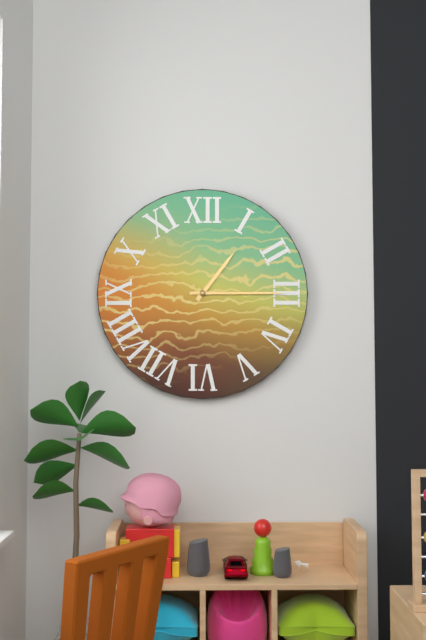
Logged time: 1,15
